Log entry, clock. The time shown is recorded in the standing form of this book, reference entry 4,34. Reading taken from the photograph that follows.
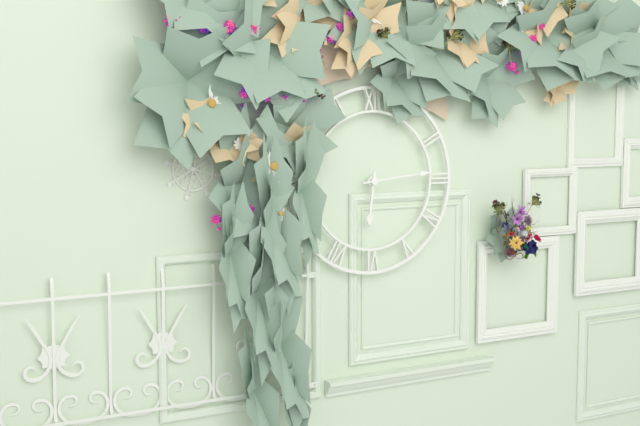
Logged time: 6,14
